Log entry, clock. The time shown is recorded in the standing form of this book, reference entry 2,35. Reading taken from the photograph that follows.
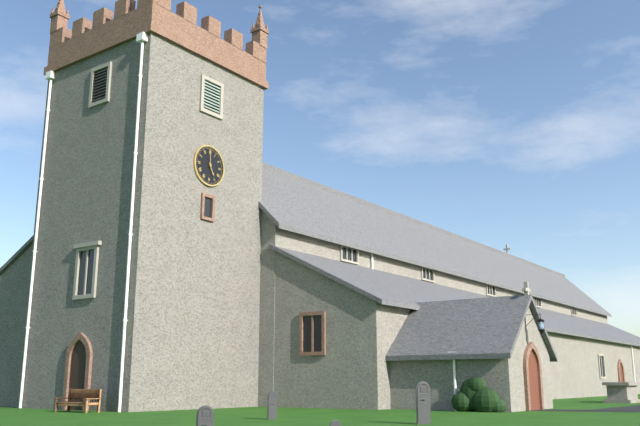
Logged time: 4,59
